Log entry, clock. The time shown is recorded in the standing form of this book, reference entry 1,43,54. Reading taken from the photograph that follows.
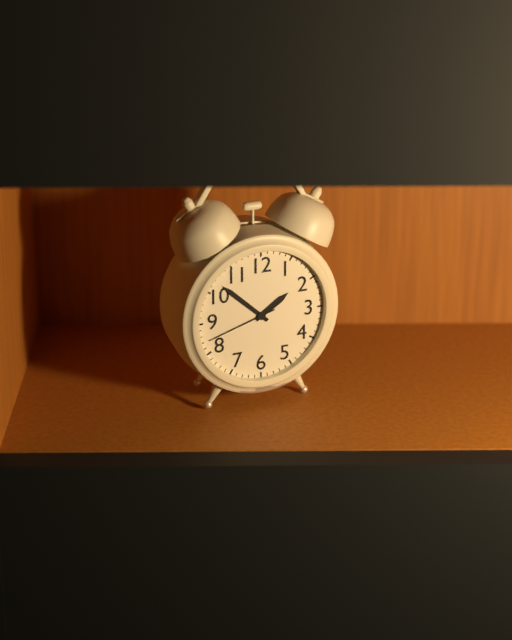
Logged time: 1,52,42
